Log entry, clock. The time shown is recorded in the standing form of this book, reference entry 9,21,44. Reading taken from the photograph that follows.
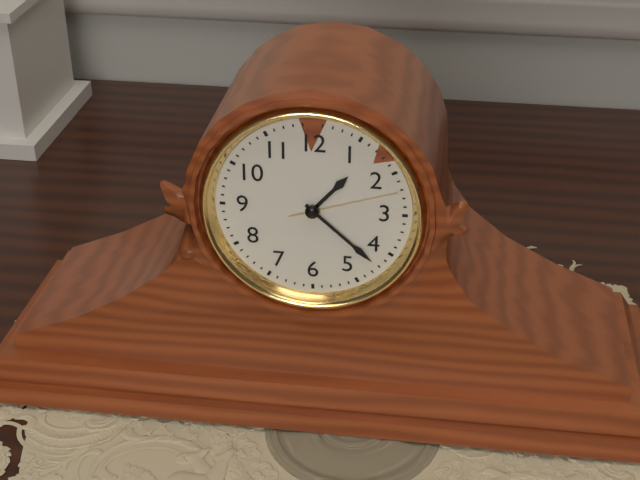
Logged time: 1,22,12
